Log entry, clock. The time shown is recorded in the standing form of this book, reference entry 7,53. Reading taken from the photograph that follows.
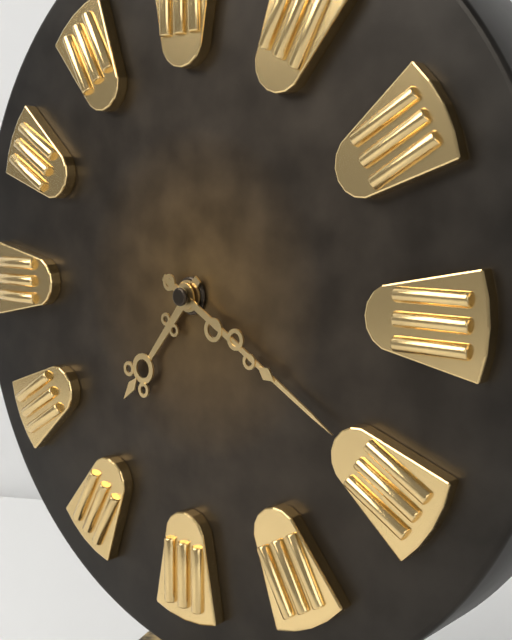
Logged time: 7,20
